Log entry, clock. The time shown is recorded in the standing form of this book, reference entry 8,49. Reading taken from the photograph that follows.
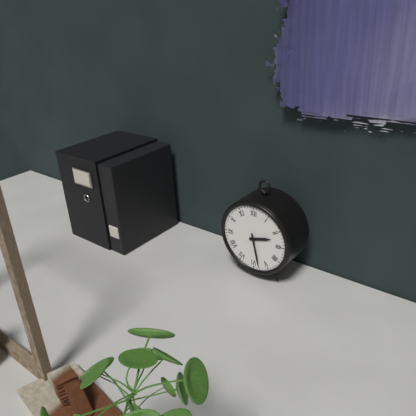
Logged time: 2,28
